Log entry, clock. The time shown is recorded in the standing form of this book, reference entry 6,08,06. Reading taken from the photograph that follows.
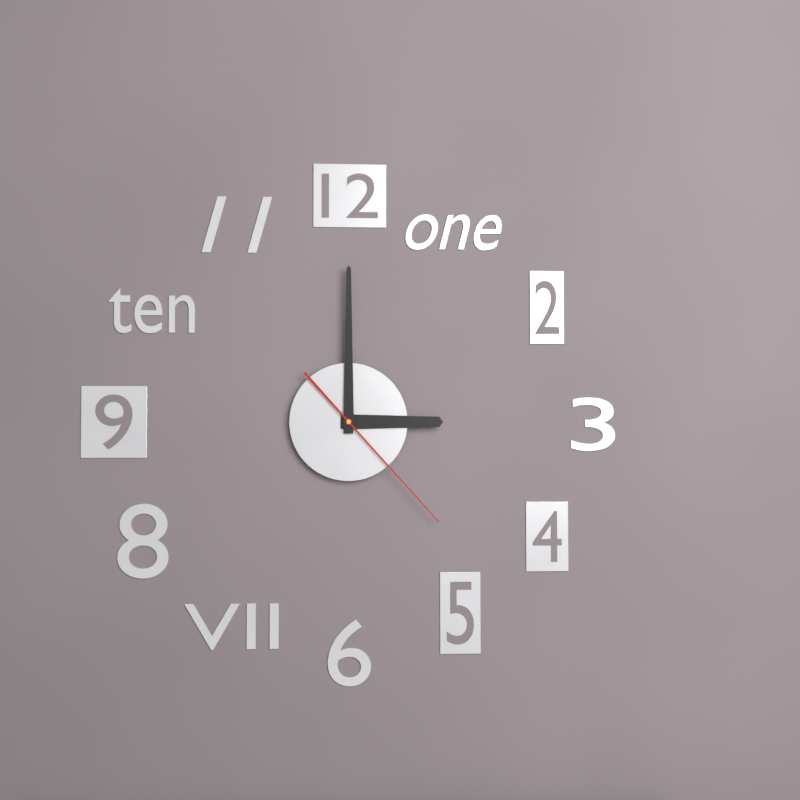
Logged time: 3,00,23
